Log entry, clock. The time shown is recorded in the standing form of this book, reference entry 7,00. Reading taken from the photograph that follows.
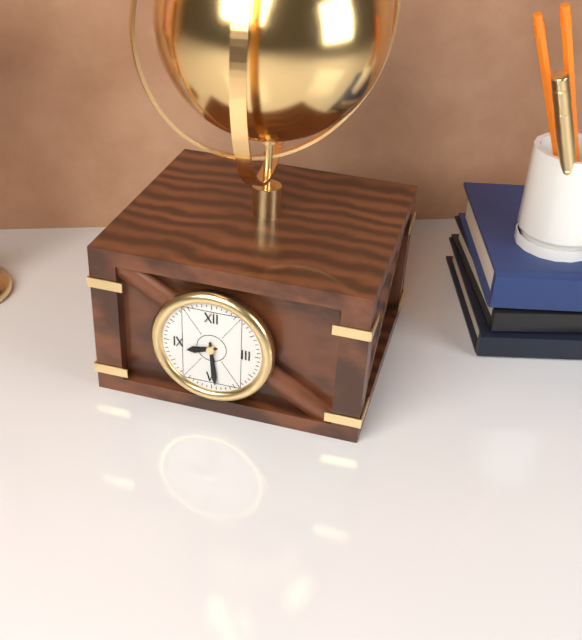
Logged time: 8,29
